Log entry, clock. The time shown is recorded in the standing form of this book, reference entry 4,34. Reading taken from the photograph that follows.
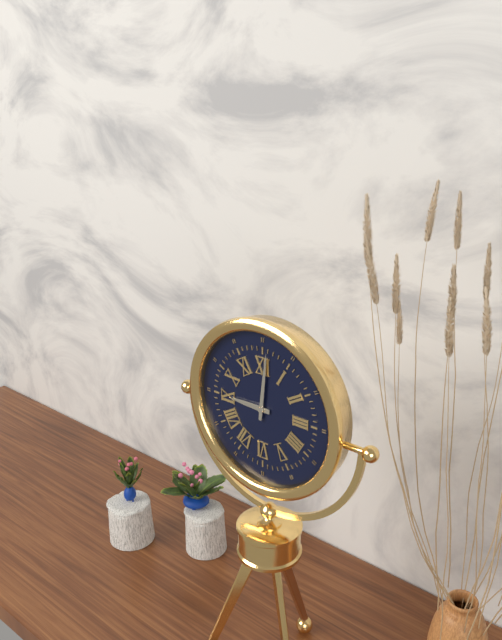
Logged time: 9,01
